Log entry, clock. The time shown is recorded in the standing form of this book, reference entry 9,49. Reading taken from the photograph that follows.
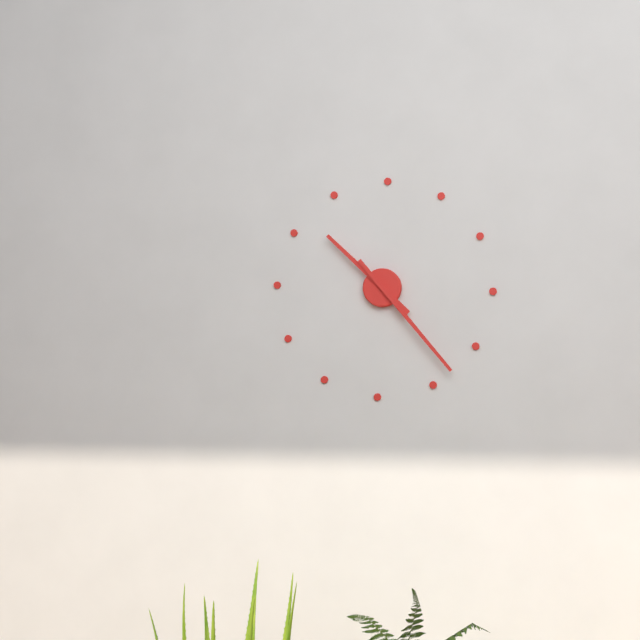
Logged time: 10,23
